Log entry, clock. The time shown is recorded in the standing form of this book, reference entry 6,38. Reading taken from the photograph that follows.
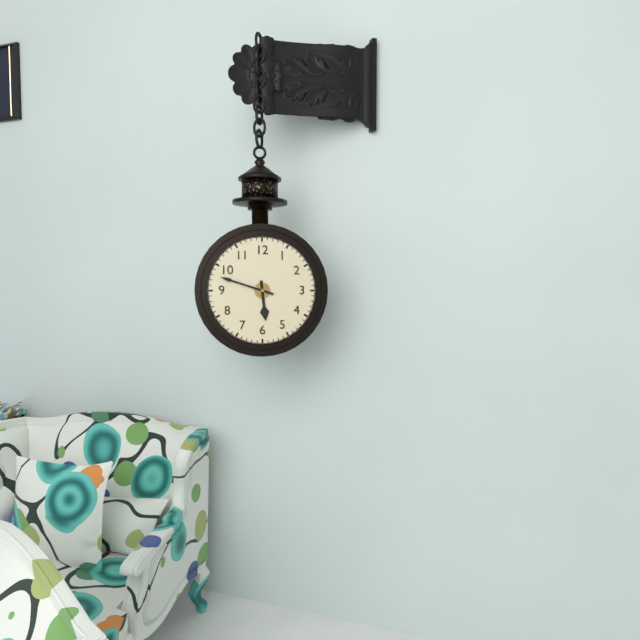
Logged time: 5,48
